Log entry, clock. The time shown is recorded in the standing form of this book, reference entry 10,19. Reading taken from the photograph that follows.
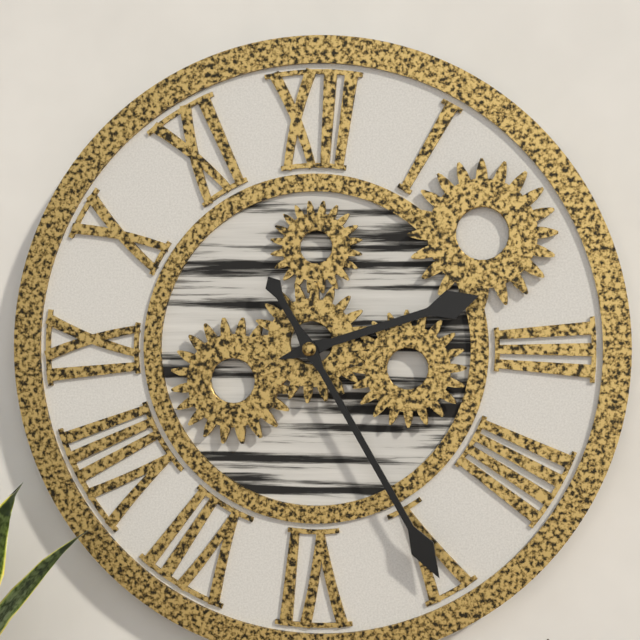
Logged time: 2,25
